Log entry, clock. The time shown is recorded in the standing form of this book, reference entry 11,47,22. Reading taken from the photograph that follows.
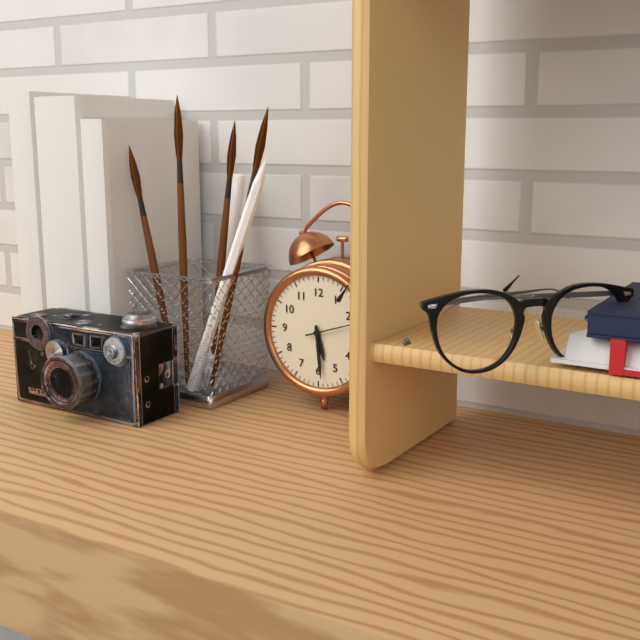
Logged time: 5,29,12
